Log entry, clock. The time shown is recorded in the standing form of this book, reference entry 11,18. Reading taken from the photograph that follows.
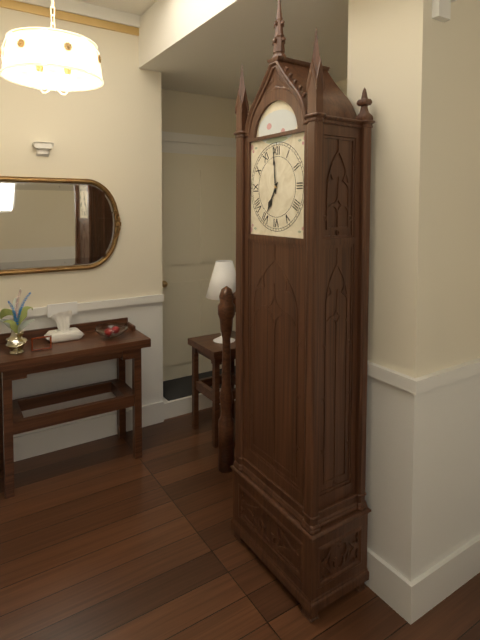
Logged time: 6,59
